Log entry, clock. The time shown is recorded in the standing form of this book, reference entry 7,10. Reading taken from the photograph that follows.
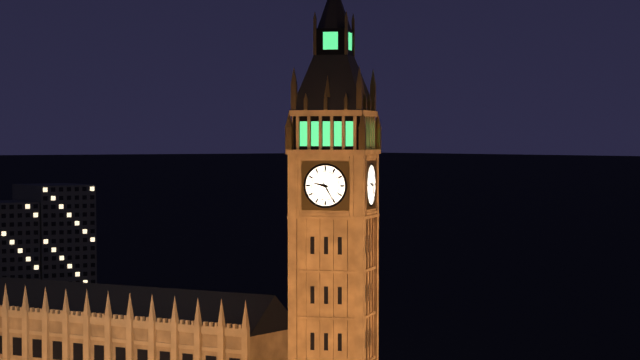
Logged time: 9,25
